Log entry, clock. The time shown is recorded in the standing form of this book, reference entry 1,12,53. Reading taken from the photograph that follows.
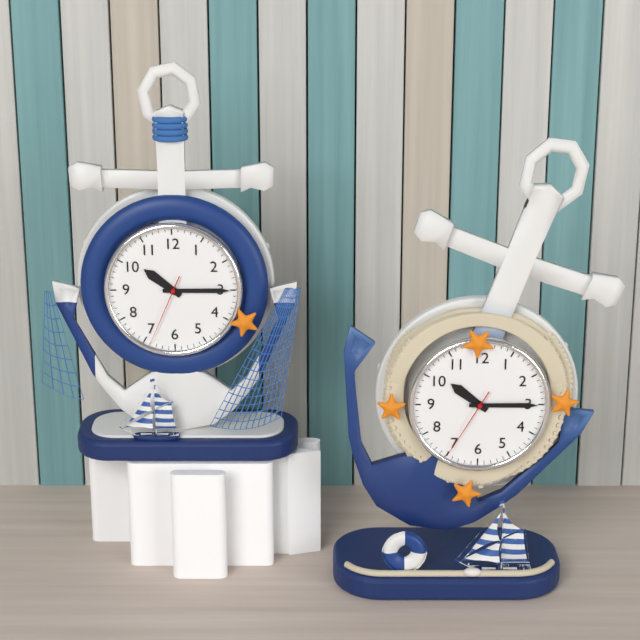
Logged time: 10,15,34
